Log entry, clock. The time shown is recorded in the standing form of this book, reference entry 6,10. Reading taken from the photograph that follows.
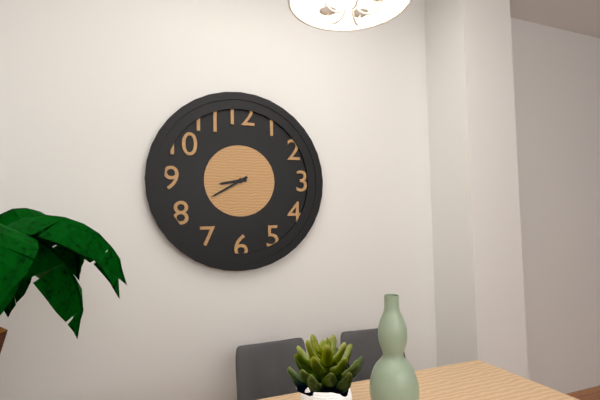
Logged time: 8,40
